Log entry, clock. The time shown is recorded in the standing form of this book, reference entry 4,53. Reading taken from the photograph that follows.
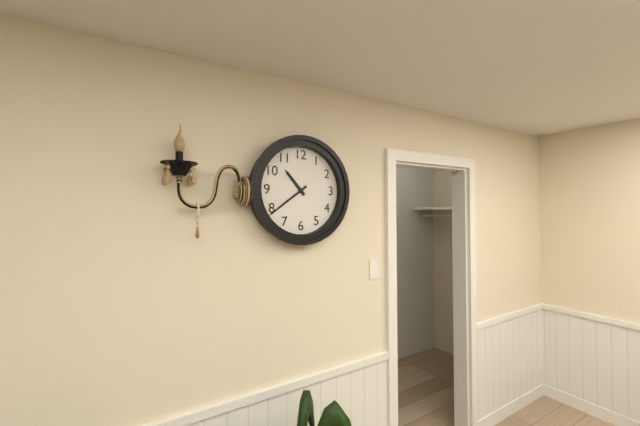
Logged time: 10,39
